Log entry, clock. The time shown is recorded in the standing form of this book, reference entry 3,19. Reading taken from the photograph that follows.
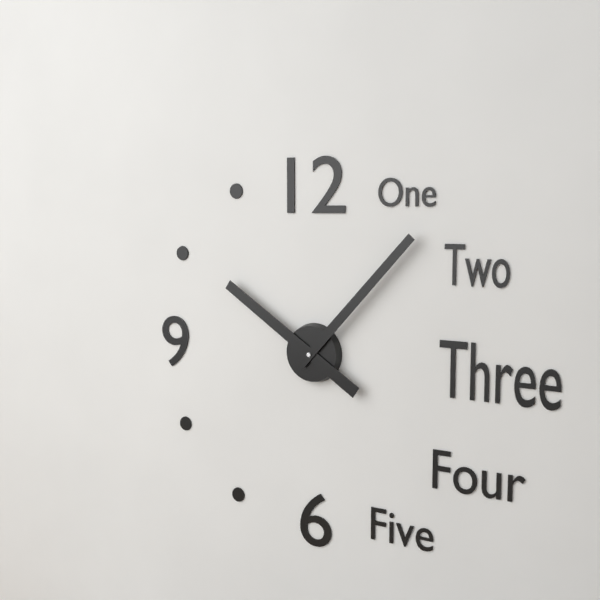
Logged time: 10,07
